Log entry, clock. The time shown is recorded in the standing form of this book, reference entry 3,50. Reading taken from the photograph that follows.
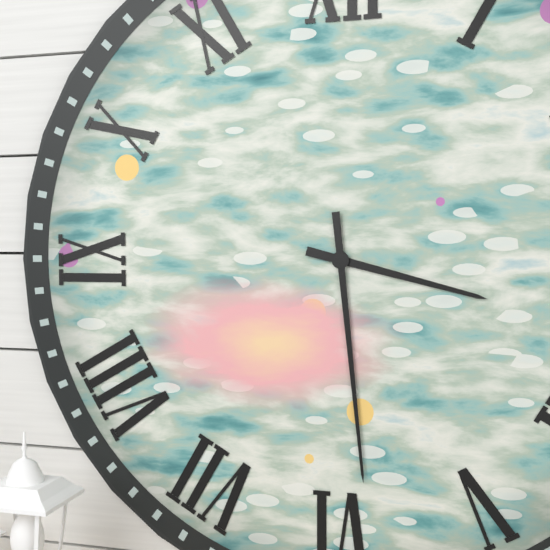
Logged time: 3,29
